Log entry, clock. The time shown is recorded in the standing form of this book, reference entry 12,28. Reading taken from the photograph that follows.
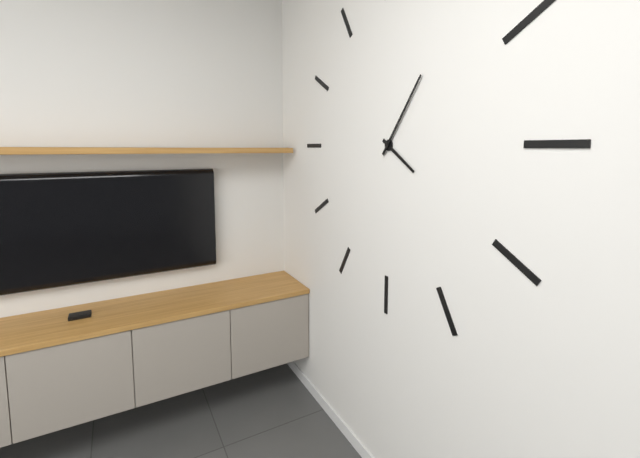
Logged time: 4,06
